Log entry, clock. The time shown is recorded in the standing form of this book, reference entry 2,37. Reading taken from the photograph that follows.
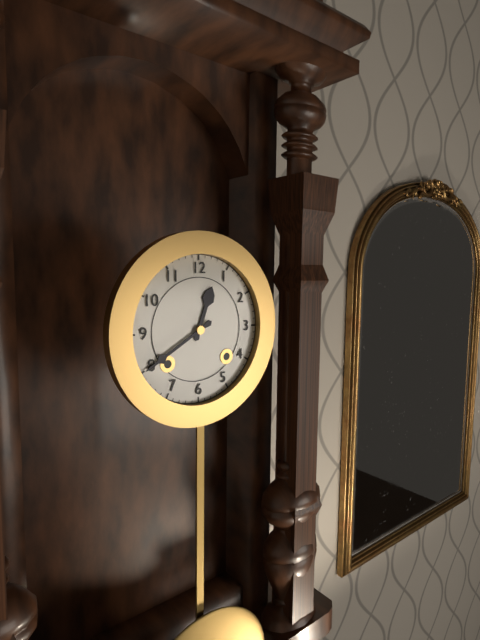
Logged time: 12,40
